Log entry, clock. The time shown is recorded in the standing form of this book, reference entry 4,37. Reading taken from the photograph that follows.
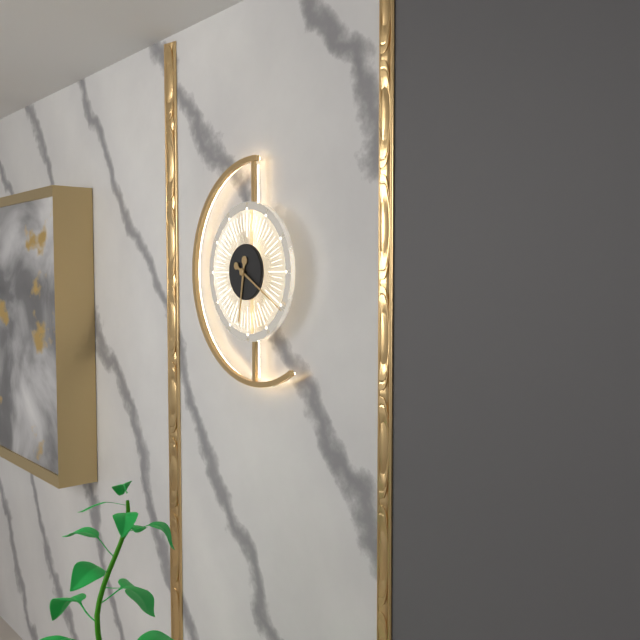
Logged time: 6,20
